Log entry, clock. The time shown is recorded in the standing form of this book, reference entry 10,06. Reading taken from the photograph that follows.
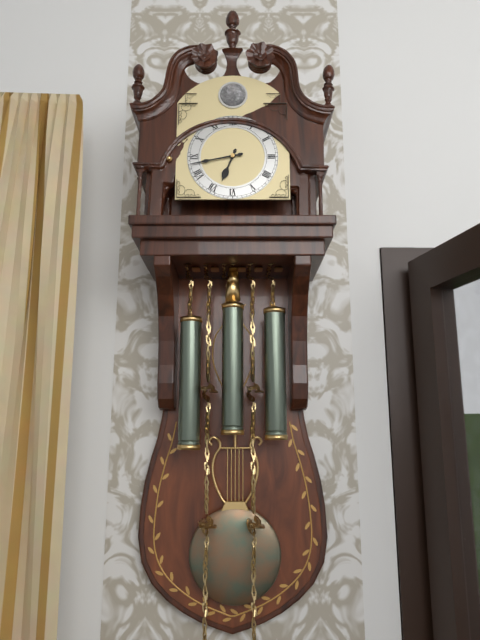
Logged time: 6,43
